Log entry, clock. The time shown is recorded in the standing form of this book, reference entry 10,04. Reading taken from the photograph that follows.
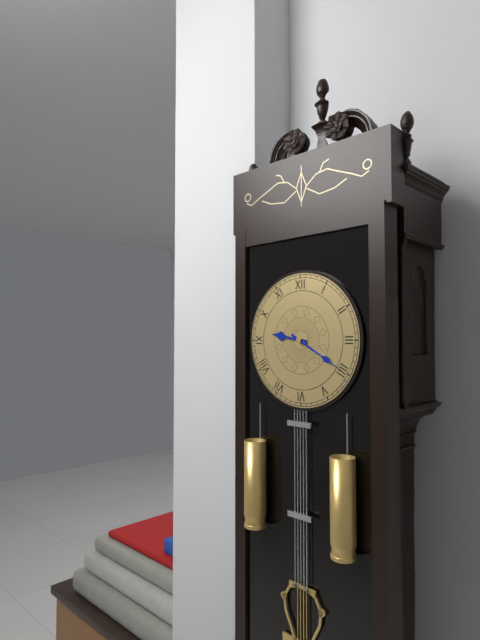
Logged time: 9,20
